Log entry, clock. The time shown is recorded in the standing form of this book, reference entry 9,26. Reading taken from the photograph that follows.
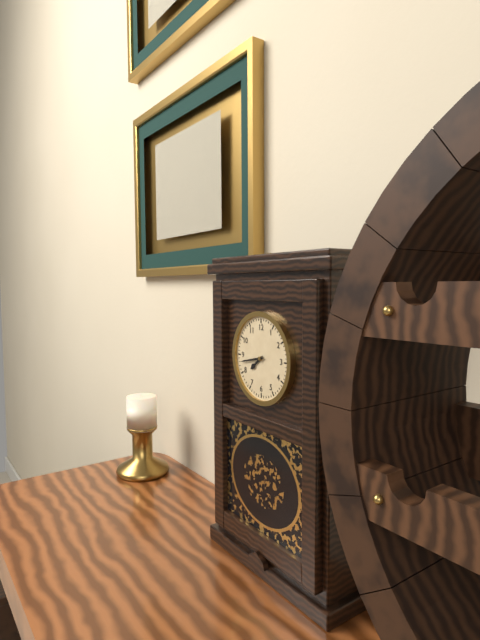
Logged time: 7,43
